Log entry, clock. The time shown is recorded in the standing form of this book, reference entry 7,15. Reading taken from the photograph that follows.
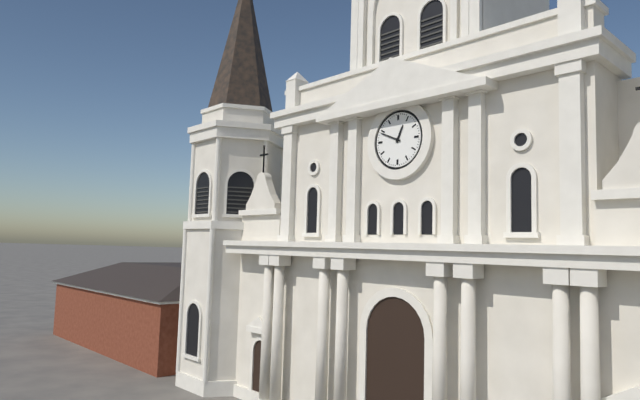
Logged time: 12,49
